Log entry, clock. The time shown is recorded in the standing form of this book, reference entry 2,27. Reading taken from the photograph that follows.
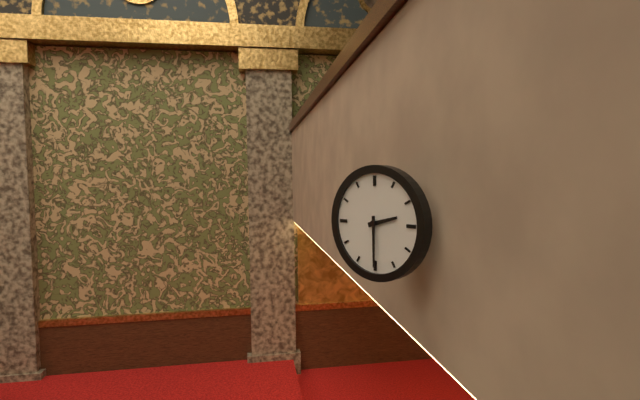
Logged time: 2,30
